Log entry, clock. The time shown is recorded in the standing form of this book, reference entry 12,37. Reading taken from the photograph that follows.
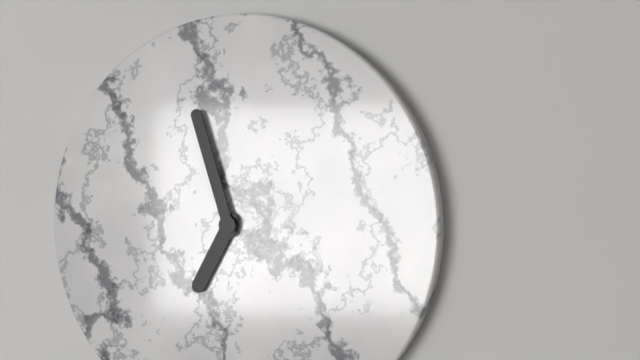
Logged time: 6,57
